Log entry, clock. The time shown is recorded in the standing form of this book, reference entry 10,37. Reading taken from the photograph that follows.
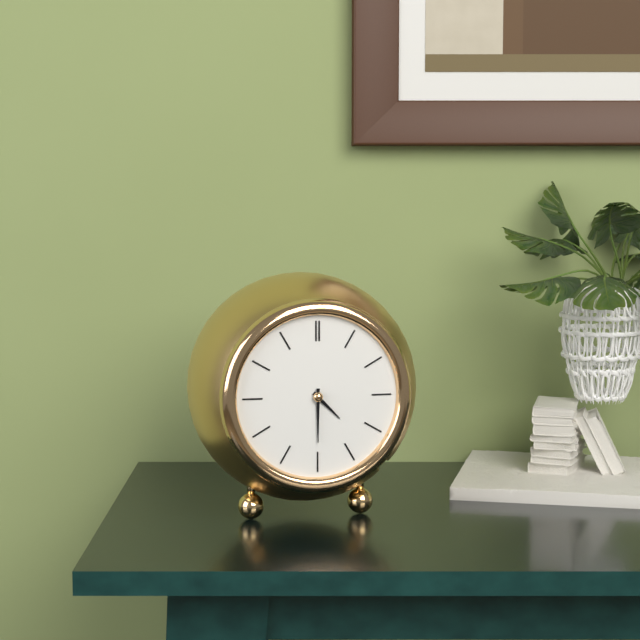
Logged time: 4,30
